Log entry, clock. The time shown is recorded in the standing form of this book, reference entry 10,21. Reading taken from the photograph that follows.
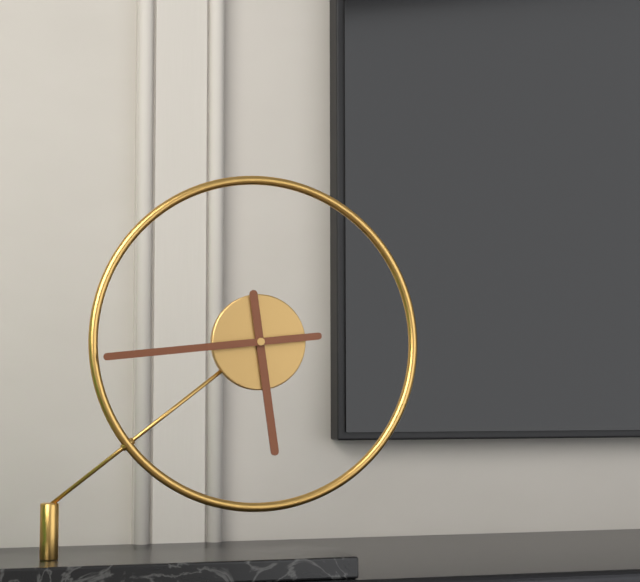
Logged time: 5,44
